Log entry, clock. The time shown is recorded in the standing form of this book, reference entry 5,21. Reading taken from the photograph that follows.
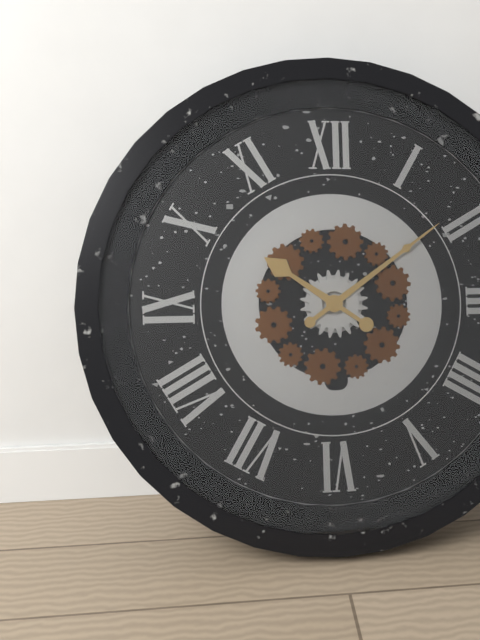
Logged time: 10,09
